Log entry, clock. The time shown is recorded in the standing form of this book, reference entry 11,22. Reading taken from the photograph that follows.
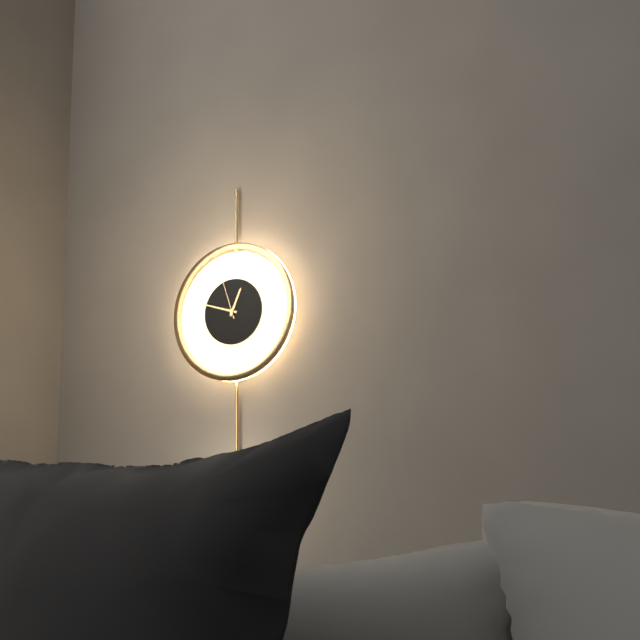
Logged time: 12,48
